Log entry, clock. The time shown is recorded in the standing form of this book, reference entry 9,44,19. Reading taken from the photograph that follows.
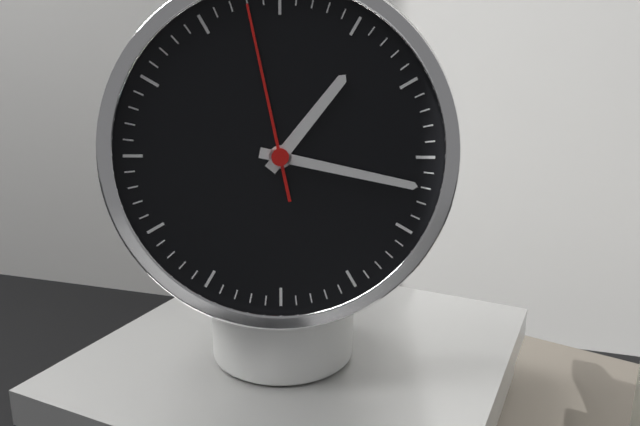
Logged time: 1,17,58
